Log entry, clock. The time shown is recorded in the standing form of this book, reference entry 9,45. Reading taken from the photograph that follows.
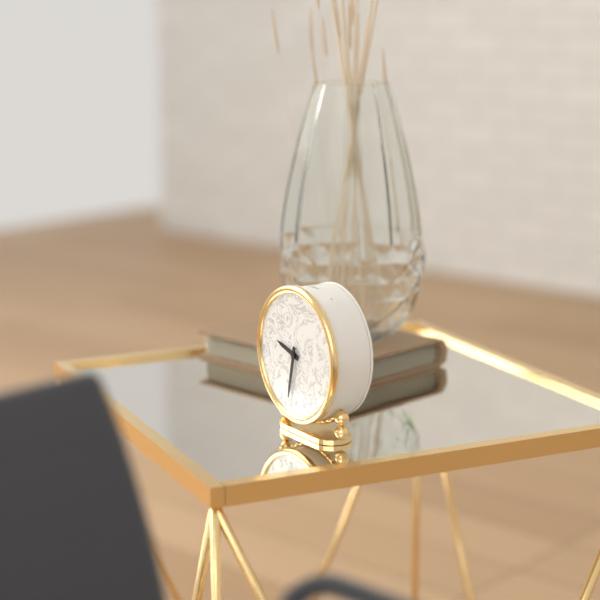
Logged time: 9,32
